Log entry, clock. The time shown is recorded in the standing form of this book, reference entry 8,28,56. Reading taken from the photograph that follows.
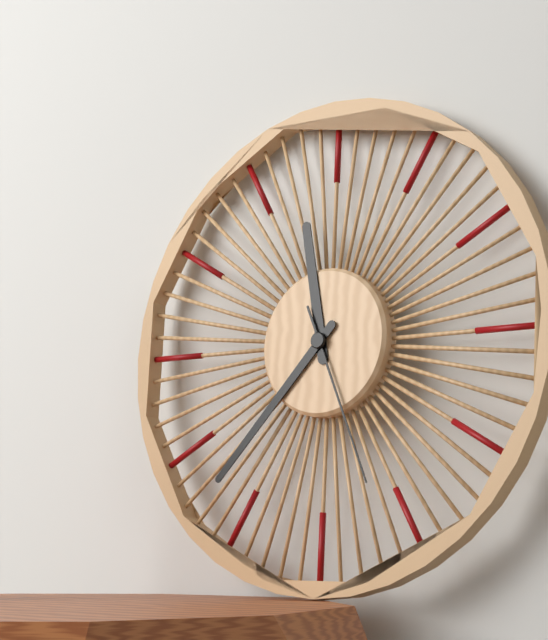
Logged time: 11,37,26
